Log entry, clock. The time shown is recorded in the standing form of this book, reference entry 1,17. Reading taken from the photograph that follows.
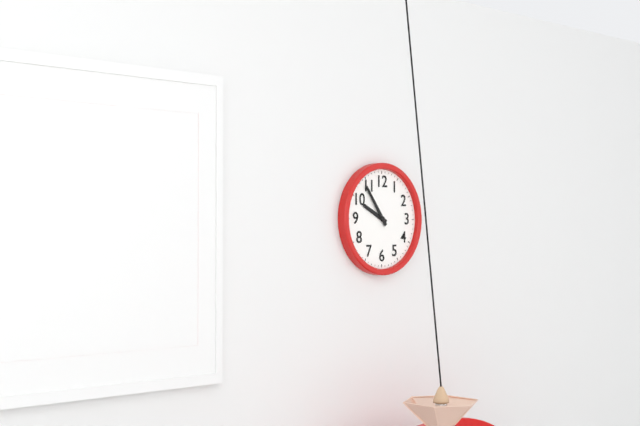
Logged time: 9,54
